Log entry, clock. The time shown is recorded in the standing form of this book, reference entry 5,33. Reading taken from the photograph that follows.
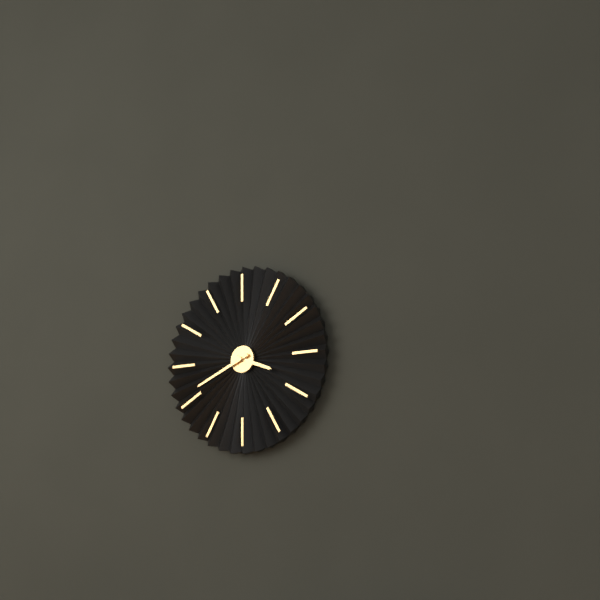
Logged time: 3,41
